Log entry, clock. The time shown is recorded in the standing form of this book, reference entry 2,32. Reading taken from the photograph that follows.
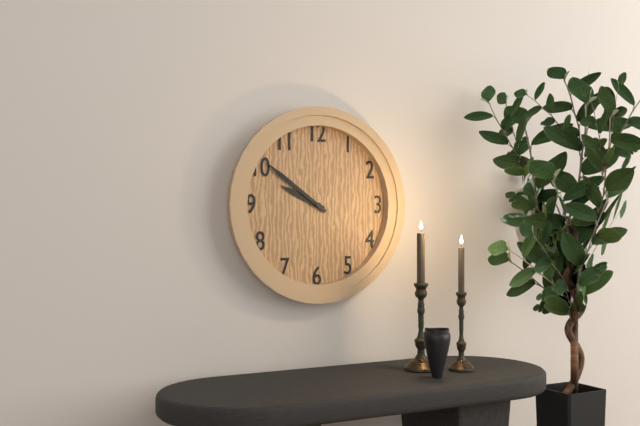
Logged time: 9,51
